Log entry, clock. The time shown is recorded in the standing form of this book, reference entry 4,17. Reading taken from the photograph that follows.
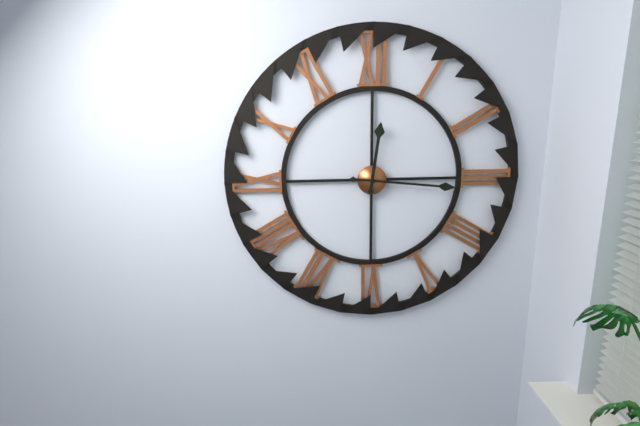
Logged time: 12,16
